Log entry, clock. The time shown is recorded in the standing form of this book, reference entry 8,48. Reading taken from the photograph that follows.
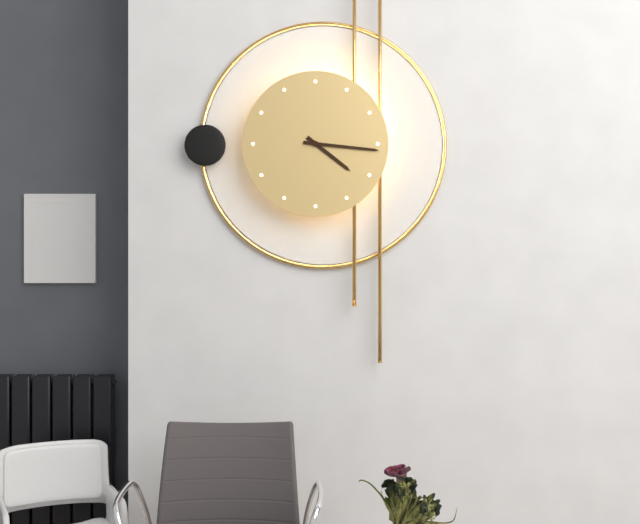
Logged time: 4,16
